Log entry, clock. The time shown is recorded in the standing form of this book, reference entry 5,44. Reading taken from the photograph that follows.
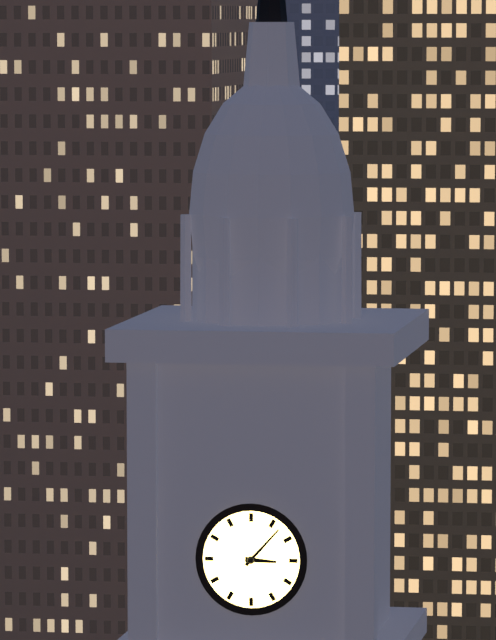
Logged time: 3,07
